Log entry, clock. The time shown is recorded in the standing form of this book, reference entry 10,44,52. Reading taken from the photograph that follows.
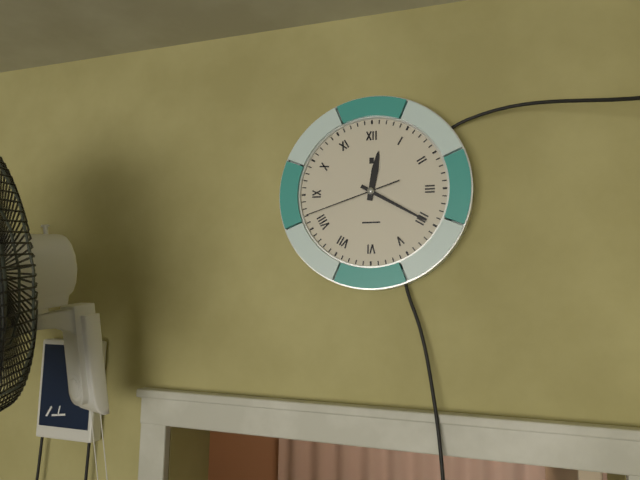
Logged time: 12,20,42
